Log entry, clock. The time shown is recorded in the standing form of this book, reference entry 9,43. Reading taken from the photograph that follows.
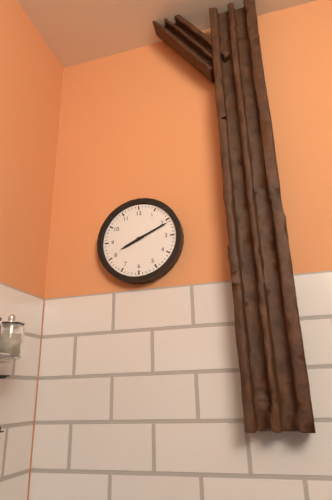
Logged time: 8,11
